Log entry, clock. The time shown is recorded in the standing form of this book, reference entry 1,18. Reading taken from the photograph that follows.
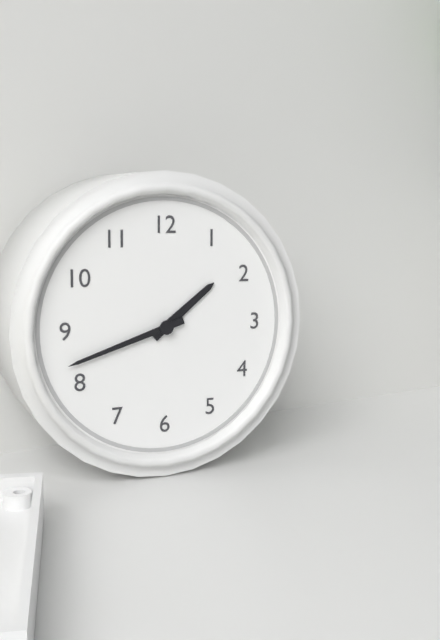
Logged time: 1,42
